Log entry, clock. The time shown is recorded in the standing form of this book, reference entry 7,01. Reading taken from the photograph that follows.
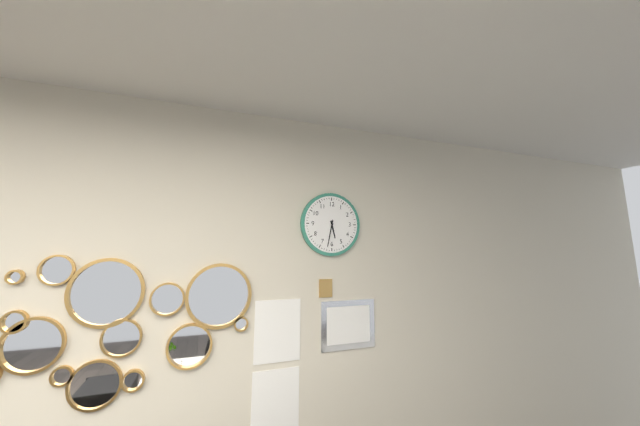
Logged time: 5,32
